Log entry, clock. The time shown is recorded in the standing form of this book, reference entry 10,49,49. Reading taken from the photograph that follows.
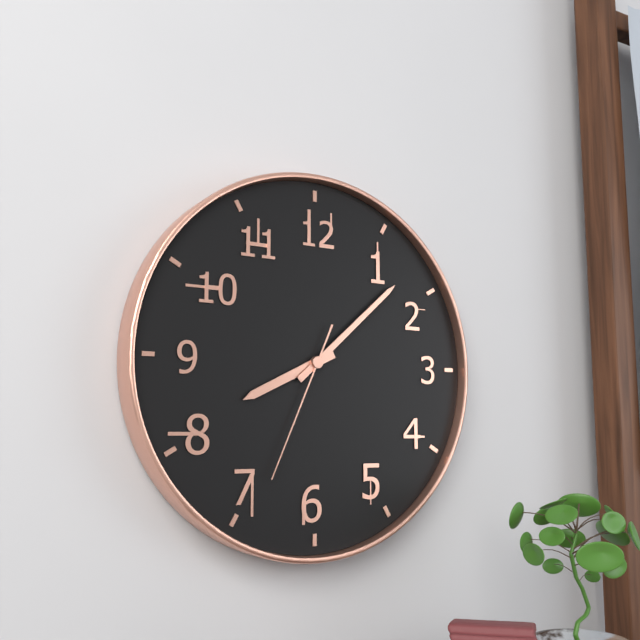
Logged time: 8,08,34
